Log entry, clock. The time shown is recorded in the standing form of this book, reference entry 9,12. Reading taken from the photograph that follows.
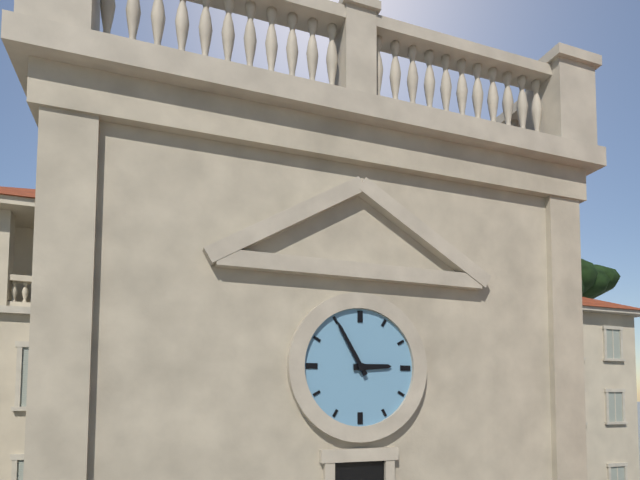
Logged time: 2,55
